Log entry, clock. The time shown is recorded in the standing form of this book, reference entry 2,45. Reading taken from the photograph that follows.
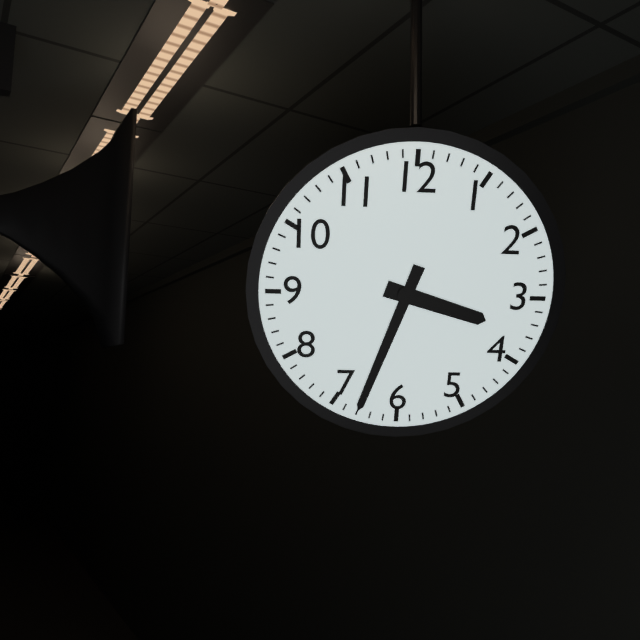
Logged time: 3,33
